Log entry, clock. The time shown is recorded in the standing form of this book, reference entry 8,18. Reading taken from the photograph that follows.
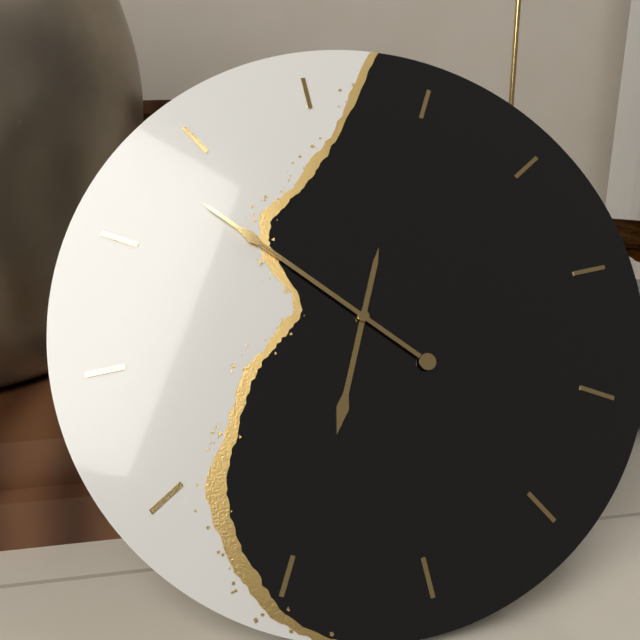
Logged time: 6,53
